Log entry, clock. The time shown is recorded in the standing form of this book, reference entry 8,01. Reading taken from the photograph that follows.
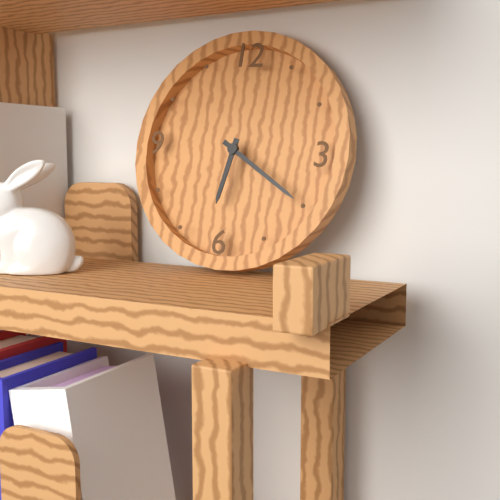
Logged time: 6,20
